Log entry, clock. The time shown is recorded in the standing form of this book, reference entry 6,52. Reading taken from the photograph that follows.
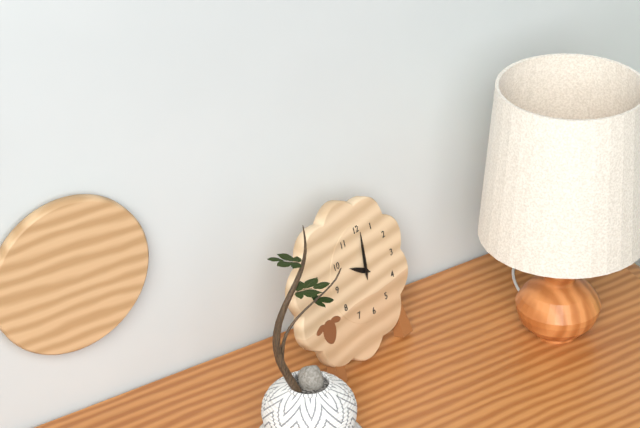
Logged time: 10,01
